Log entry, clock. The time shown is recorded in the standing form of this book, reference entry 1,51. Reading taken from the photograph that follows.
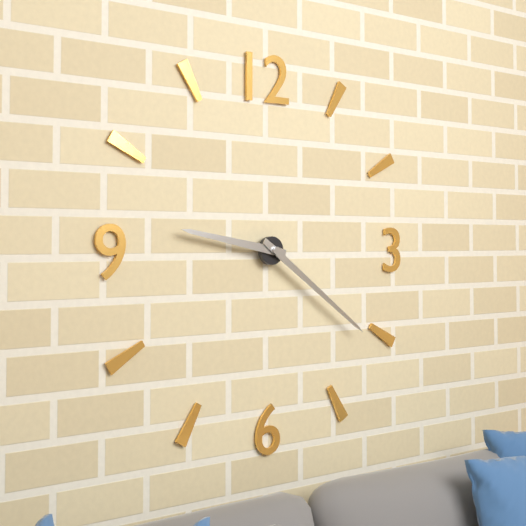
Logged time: 9,21
